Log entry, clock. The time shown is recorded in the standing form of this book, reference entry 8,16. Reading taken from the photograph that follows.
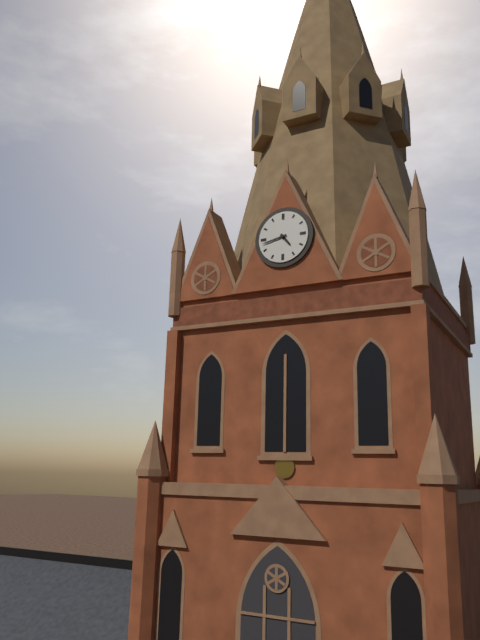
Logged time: 4,43
